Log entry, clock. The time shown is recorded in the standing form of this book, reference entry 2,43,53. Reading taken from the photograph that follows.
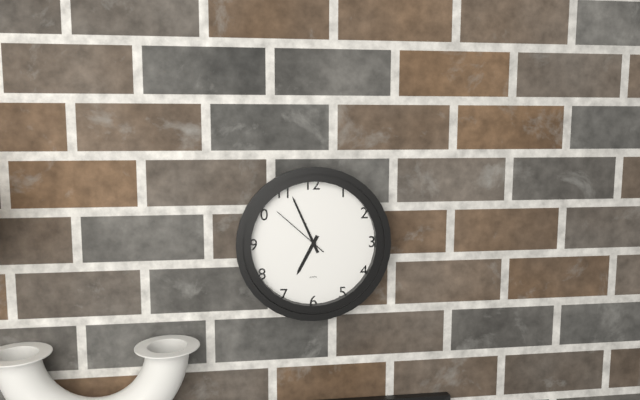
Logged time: 6,56,52
